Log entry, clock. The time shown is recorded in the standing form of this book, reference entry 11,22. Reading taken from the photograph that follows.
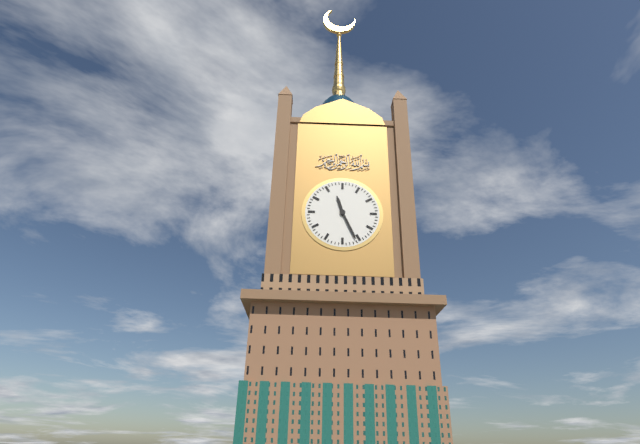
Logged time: 11,26
